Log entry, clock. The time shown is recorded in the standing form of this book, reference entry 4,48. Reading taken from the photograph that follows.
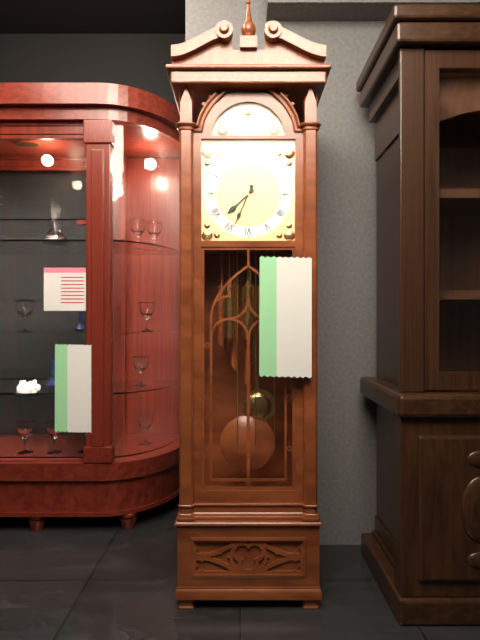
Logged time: 7,34
